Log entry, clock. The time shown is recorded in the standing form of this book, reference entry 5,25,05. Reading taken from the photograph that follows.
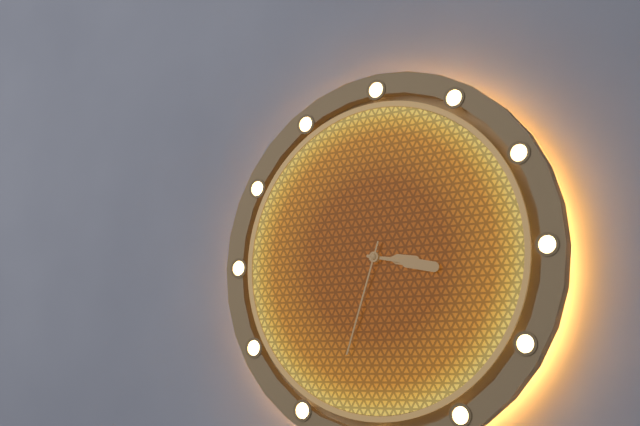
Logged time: 3,17,33
